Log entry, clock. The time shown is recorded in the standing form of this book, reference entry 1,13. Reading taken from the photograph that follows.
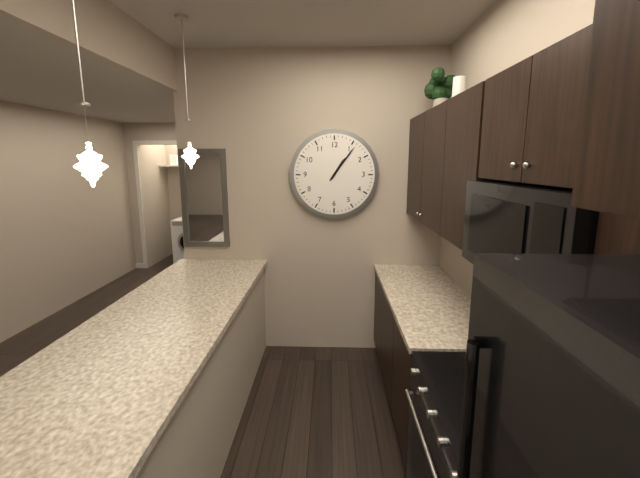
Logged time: 1,06
